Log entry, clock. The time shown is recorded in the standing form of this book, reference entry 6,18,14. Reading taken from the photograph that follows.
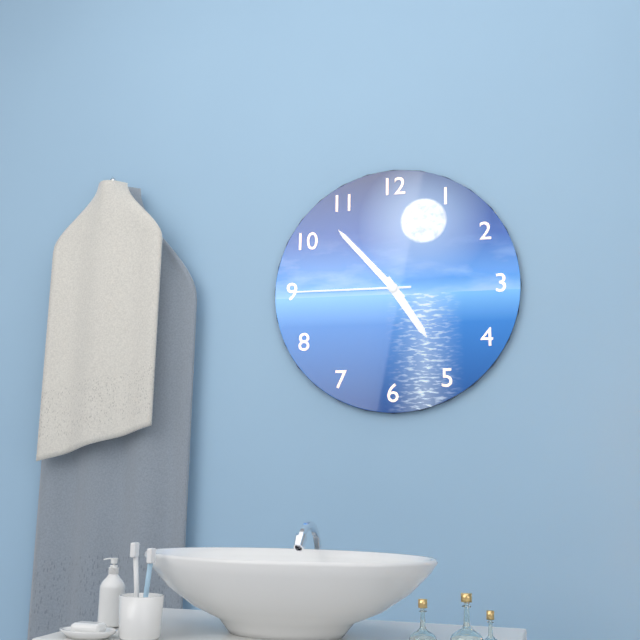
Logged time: 4,53,45
